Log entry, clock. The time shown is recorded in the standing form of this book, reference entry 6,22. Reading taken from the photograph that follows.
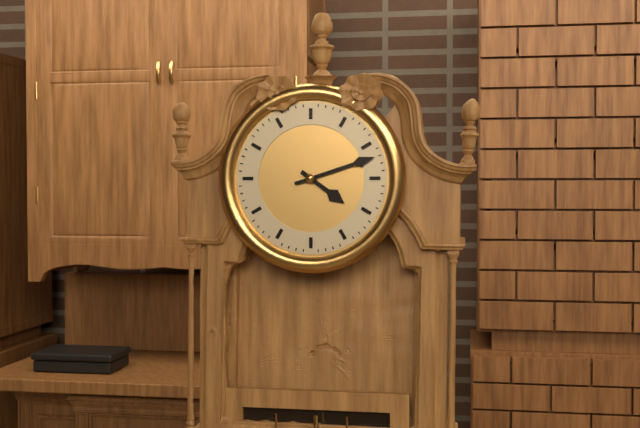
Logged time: 4,12
